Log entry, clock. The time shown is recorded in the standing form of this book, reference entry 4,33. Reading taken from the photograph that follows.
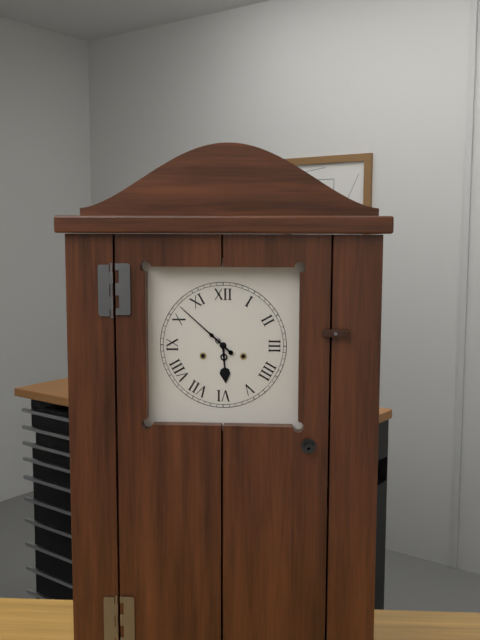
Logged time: 5,52
